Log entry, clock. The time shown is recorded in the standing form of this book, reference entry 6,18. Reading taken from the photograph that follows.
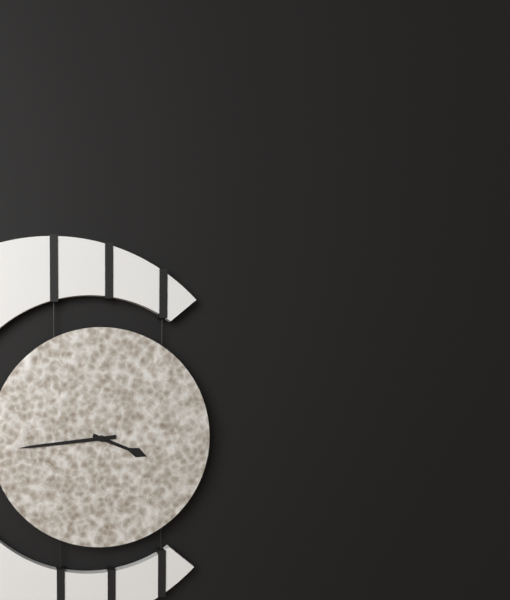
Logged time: 3,44
